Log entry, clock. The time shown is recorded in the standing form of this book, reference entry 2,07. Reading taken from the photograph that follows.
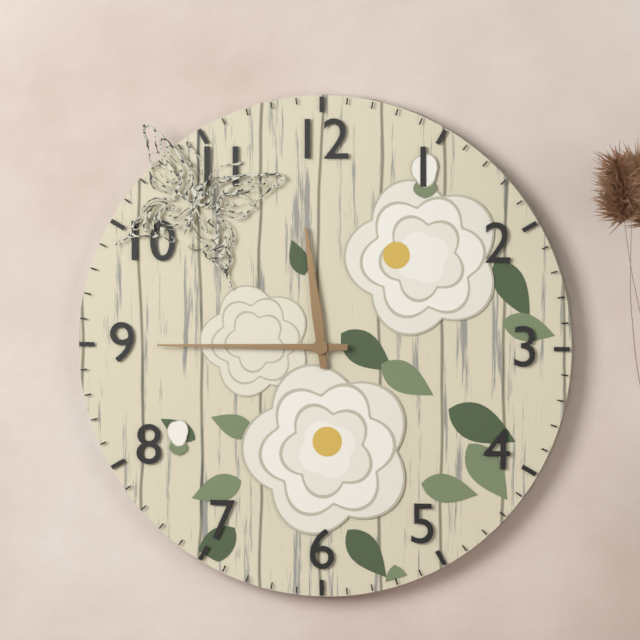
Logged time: 11,45
